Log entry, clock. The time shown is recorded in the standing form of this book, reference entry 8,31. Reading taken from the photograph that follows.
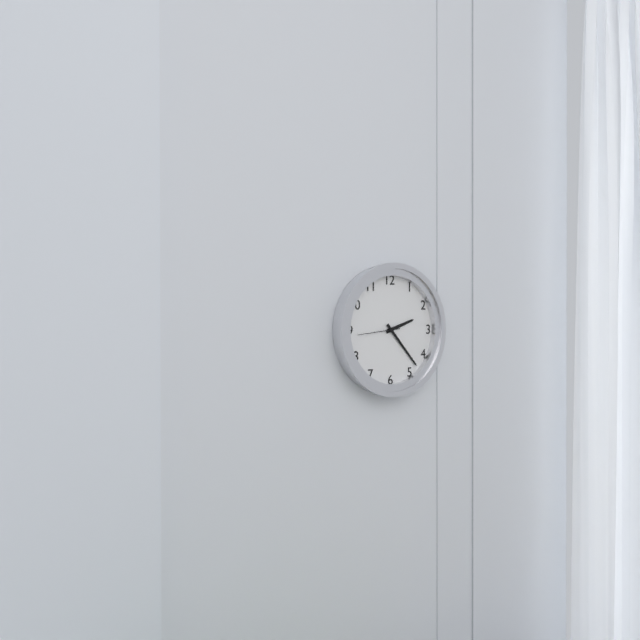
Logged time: 2,23
